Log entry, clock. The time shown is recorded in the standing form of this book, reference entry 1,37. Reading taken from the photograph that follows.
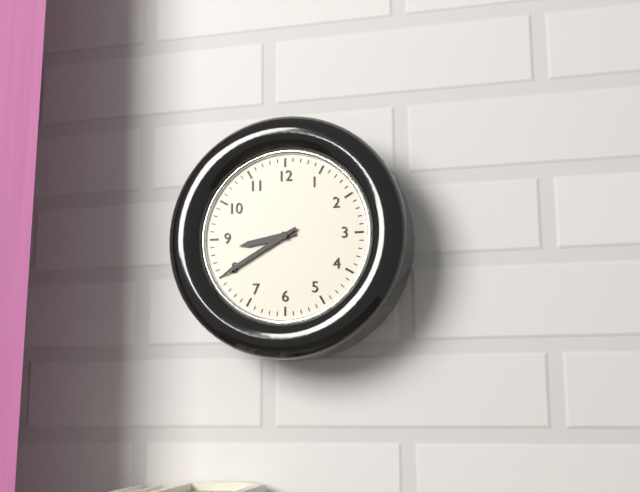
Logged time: 8,40
